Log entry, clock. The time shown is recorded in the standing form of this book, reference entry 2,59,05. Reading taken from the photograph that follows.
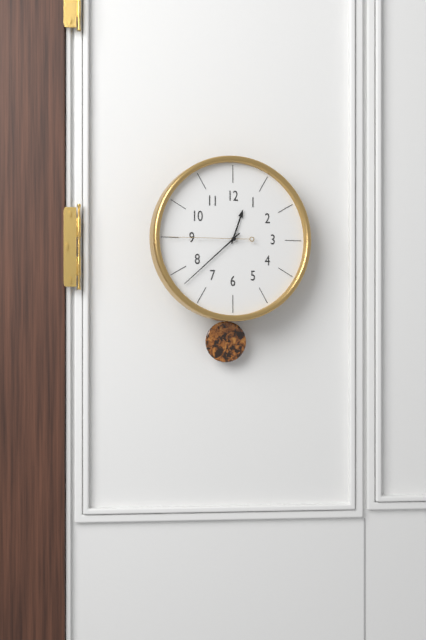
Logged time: 12,38,45
